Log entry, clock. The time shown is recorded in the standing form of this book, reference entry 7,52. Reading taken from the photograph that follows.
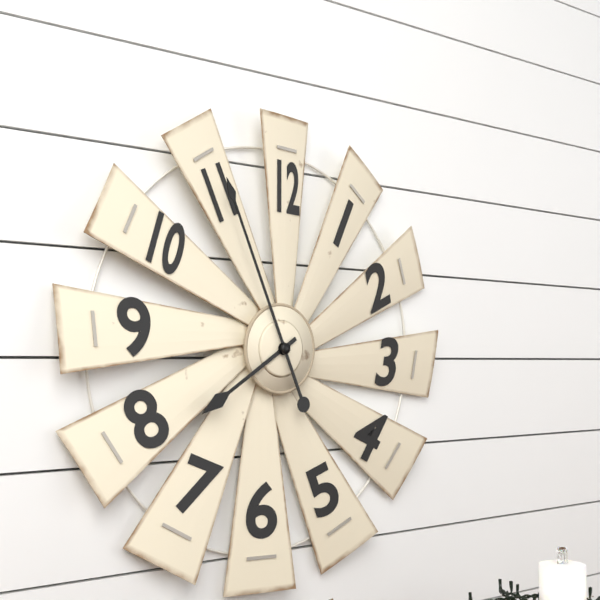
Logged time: 7,56
